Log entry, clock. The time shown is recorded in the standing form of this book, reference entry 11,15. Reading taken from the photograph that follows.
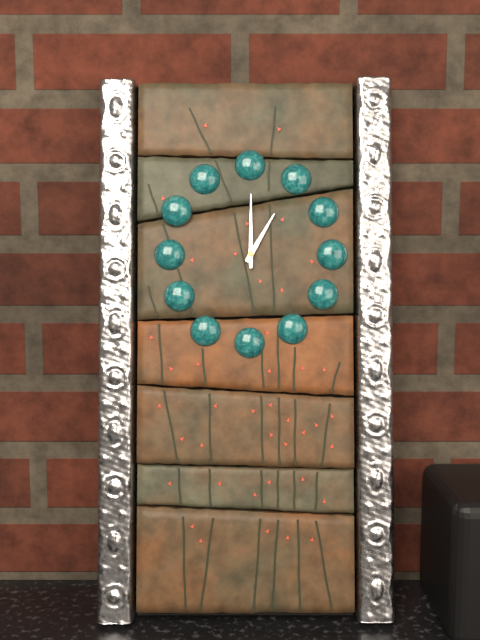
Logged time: 1,00
